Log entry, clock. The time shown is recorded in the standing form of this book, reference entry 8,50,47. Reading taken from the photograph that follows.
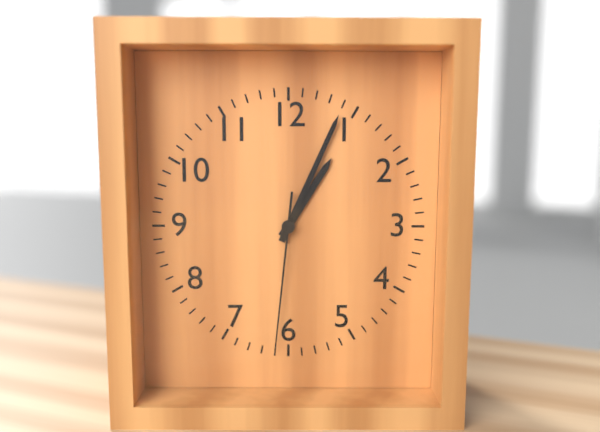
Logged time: 1,04,31
